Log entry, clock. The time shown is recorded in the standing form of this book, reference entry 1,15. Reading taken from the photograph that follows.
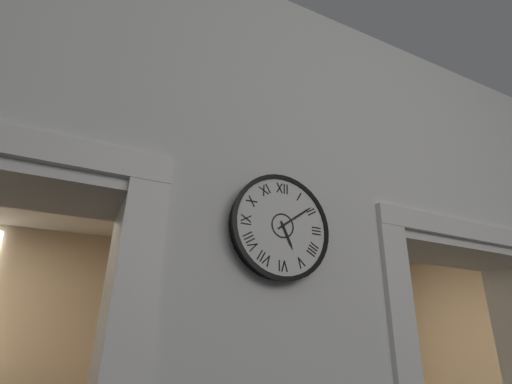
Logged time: 5,09
